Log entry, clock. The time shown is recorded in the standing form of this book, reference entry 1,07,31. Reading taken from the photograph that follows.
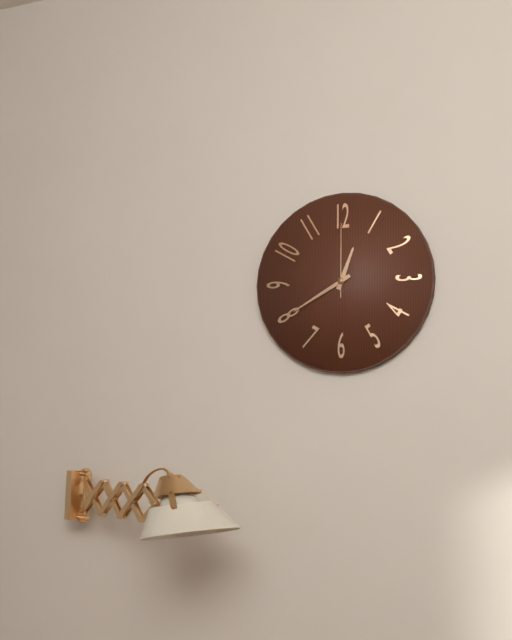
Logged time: 12,40,00
